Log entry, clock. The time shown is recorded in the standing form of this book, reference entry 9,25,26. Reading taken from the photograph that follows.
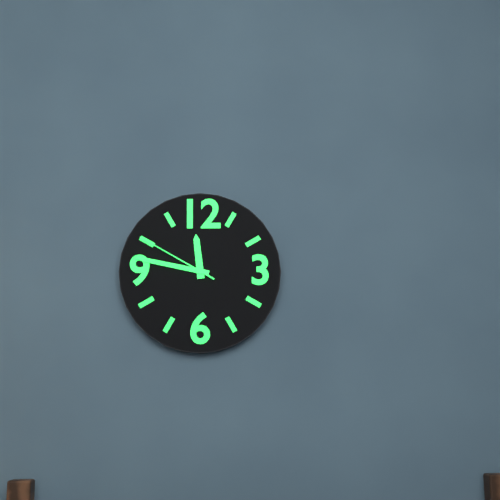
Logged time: 11,47,50
